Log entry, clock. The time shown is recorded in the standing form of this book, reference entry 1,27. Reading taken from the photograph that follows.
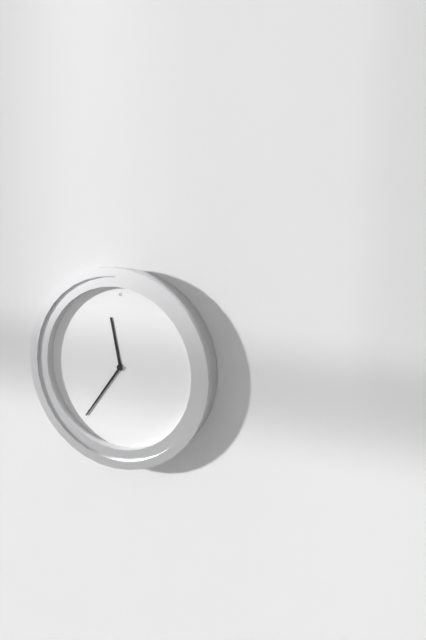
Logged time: 11,36
